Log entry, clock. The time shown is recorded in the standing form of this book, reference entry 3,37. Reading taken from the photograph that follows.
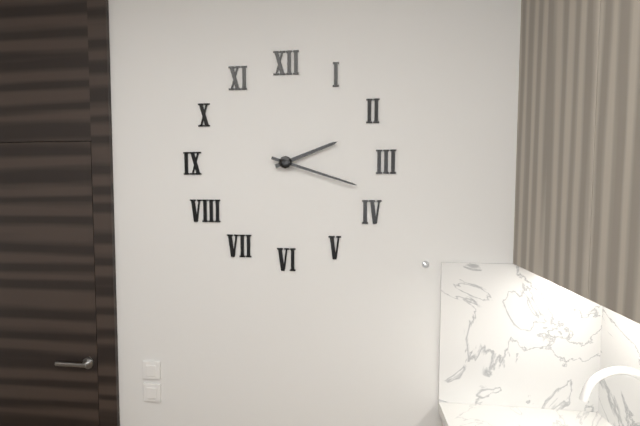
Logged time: 2,18
